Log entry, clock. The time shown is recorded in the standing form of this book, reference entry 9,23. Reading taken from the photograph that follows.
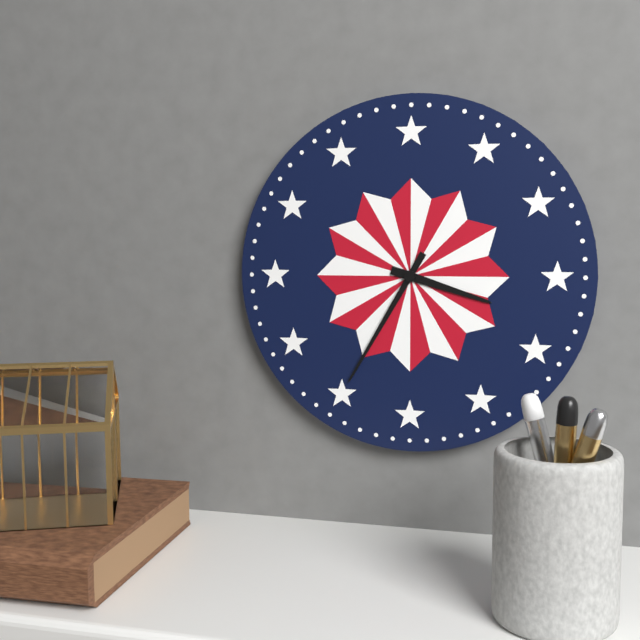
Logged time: 3,35
